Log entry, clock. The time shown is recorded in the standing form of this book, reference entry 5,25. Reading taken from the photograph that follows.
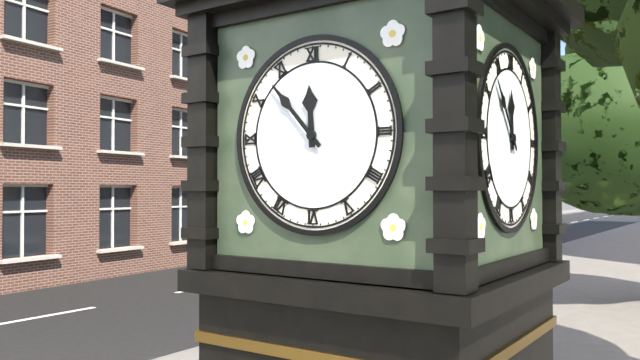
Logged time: 11,53
